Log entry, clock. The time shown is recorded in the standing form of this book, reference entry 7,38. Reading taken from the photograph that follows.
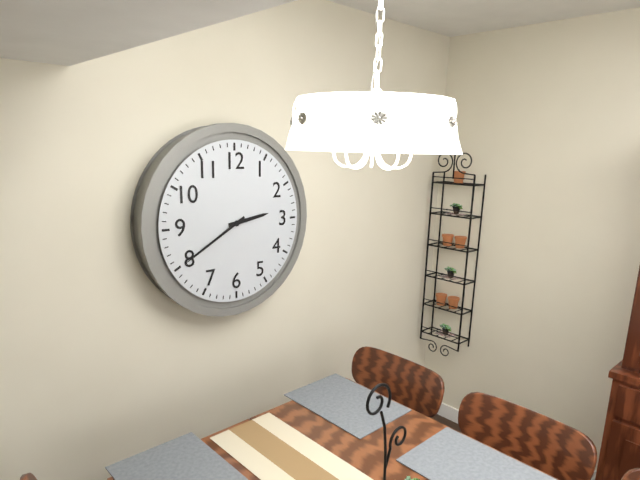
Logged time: 2,40
